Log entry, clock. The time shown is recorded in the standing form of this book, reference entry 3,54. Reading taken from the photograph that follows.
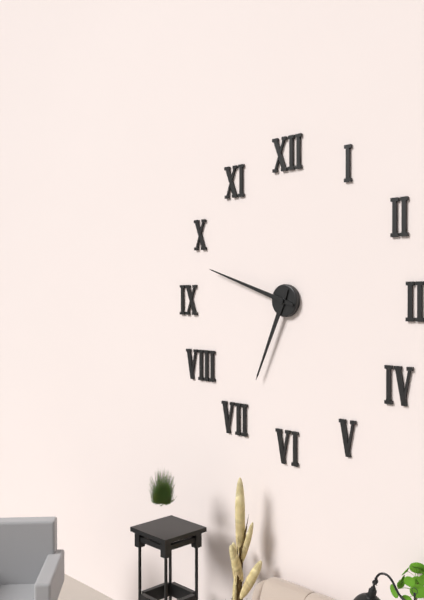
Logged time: 6,48
